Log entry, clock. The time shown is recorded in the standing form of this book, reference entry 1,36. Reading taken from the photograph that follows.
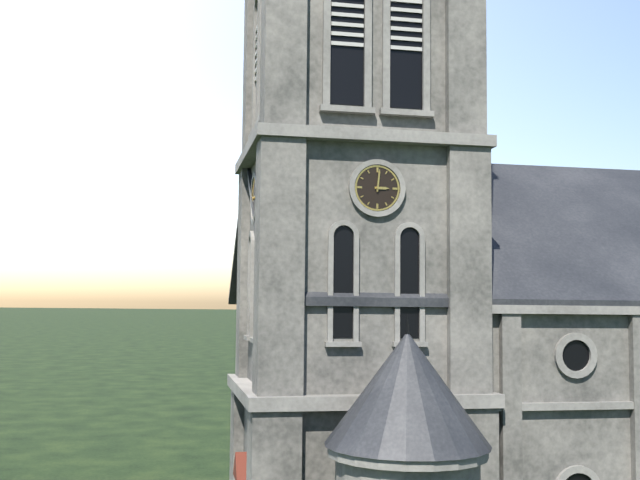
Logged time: 3,01
